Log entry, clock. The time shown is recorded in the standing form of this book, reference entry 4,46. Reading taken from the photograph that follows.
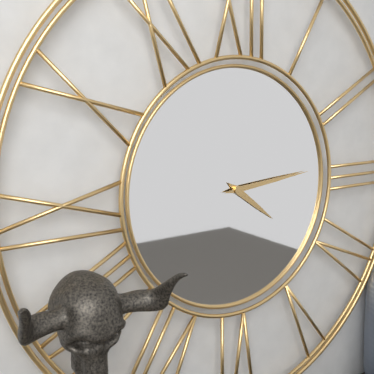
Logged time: 4,14
